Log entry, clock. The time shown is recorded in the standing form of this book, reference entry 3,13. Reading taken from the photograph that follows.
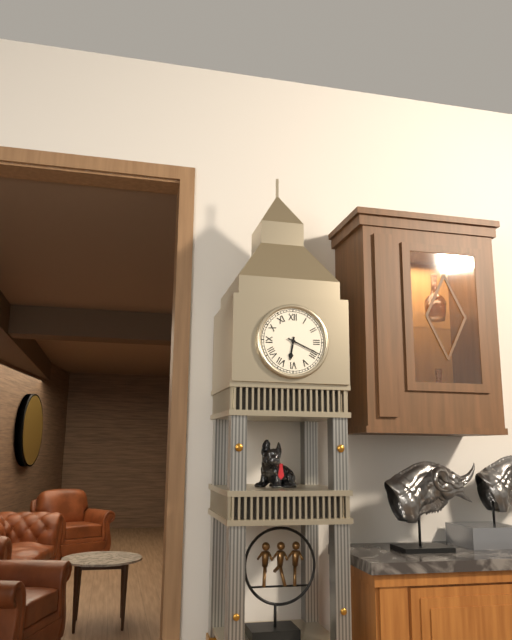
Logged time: 6,19
